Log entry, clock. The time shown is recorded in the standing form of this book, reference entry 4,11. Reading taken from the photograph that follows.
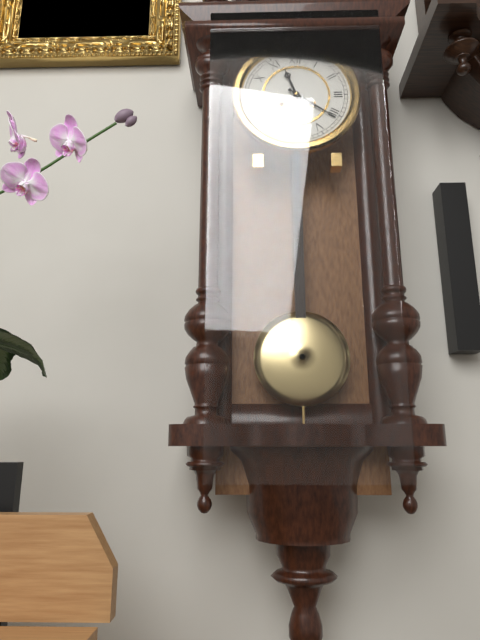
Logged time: 11,21
